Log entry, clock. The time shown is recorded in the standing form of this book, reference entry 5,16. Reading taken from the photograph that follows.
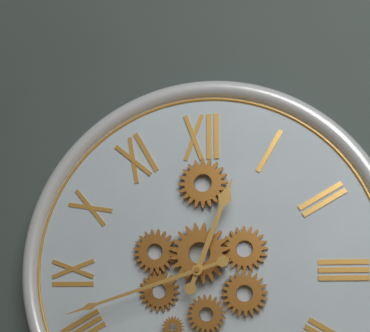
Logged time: 12,42
